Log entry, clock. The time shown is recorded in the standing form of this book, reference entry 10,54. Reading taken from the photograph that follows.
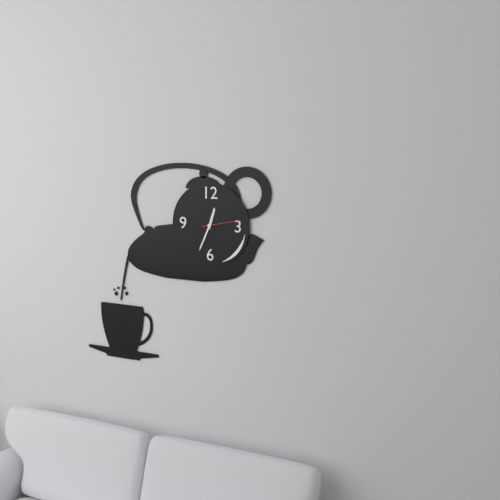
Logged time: 12,34
